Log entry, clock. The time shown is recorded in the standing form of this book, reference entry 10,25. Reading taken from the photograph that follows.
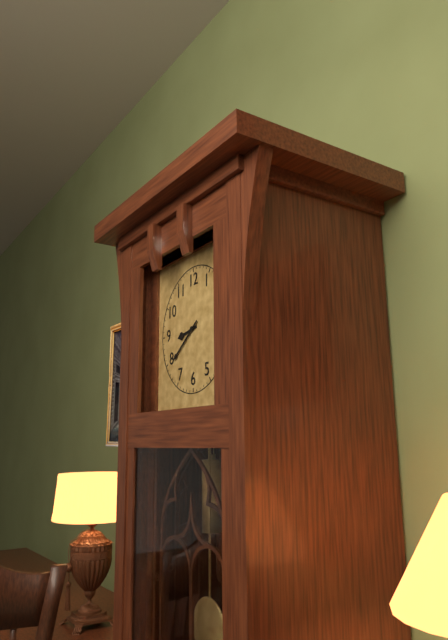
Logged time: 8,39
